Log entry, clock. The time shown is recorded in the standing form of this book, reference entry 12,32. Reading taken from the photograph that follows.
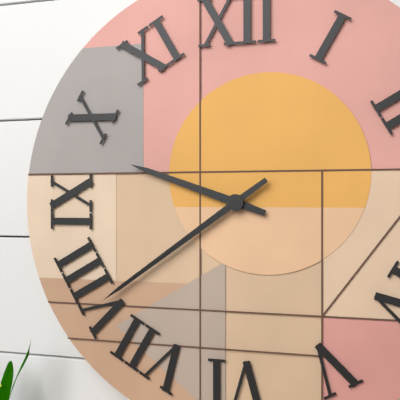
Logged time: 9,39
